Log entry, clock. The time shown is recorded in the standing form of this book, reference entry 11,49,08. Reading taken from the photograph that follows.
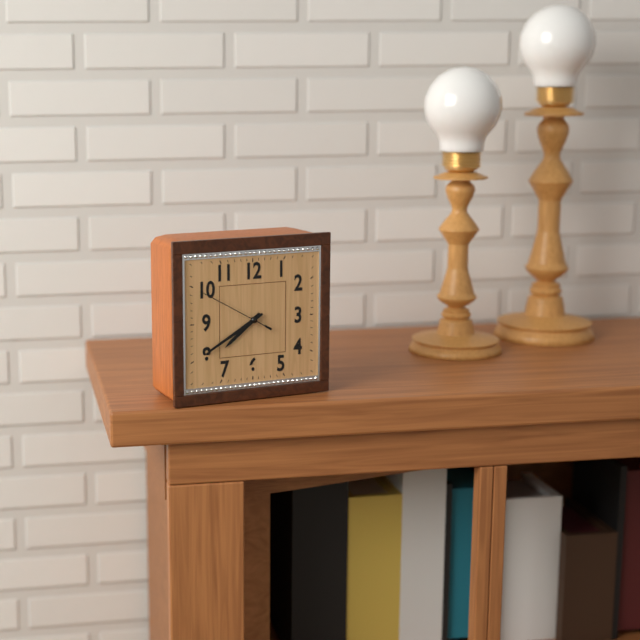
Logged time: 7,40,50
